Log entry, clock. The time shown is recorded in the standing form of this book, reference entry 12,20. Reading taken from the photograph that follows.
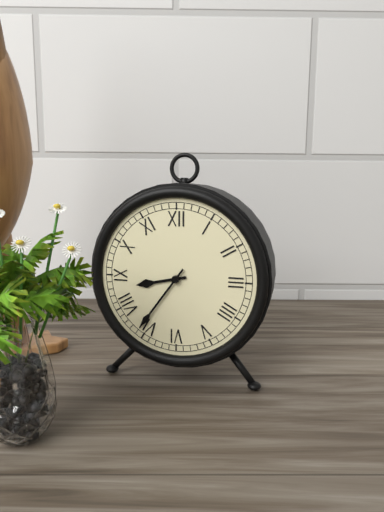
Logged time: 8,36
